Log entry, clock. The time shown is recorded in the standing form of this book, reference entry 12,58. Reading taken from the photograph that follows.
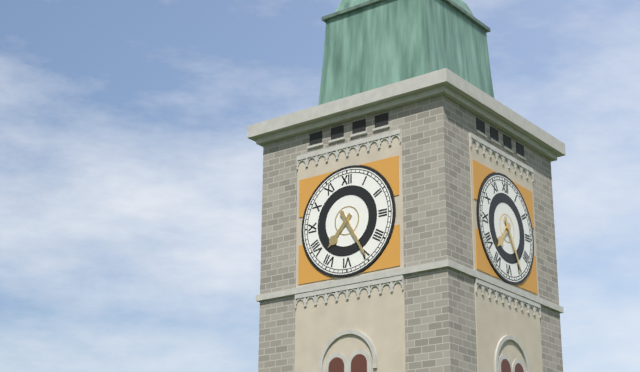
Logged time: 7,25
